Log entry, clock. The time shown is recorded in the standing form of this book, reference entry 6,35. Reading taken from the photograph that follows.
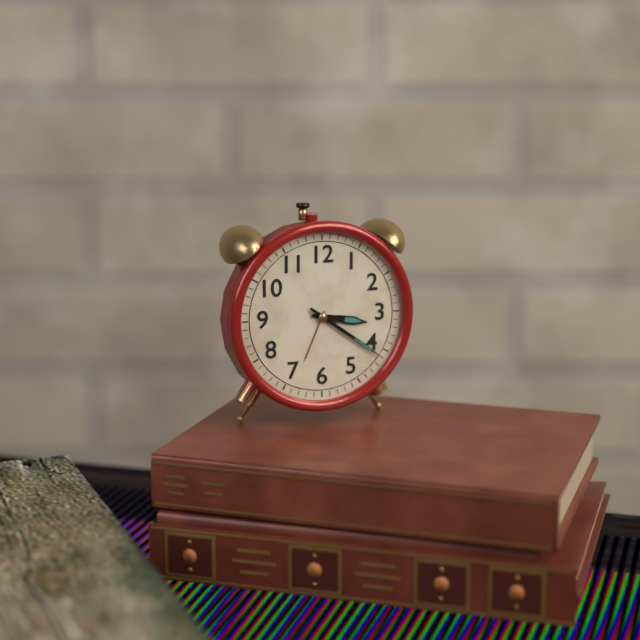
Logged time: 3,21
